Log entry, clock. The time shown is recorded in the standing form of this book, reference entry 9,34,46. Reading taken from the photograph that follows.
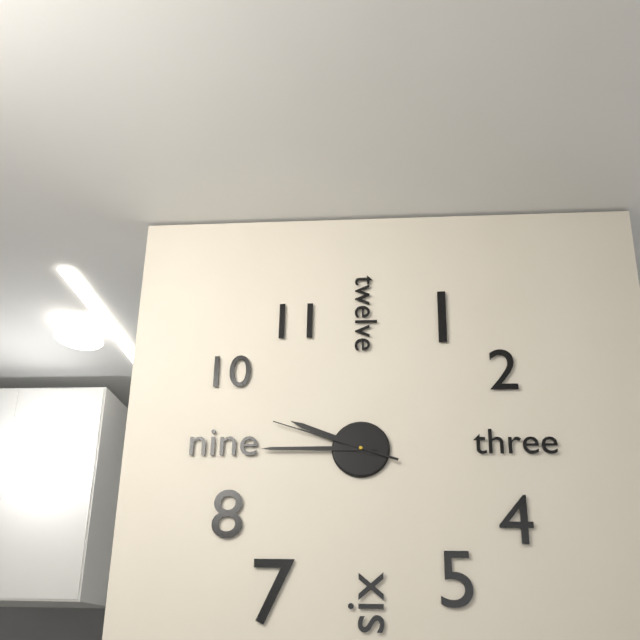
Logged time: 9,45,48
